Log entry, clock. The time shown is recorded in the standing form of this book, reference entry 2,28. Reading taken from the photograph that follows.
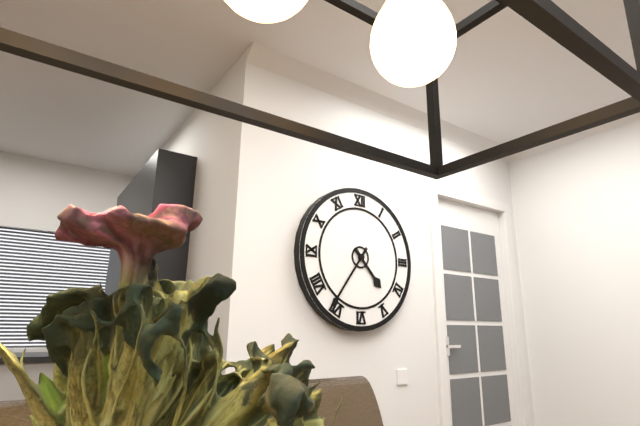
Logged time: 4,36
